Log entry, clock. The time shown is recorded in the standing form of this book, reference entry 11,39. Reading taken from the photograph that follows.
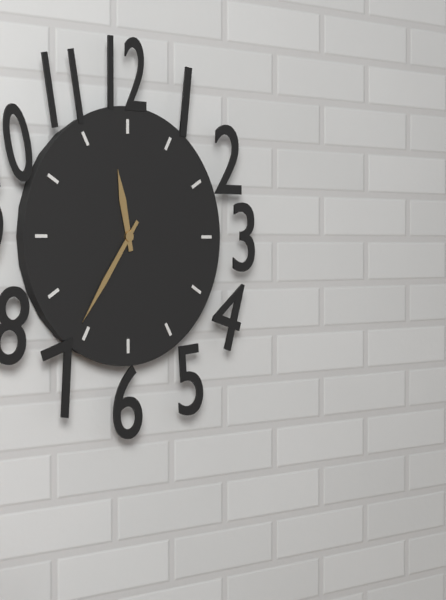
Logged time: 11,36
